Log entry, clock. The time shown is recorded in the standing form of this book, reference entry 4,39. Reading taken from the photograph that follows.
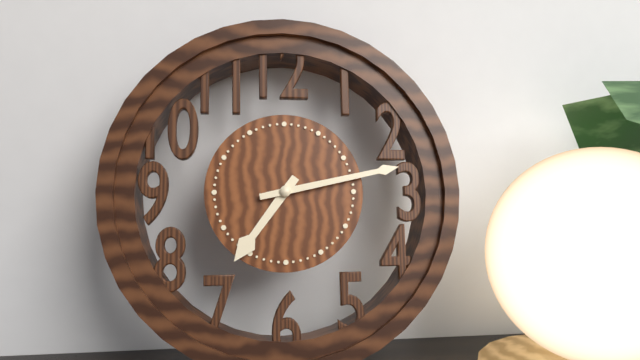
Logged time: 7,13
